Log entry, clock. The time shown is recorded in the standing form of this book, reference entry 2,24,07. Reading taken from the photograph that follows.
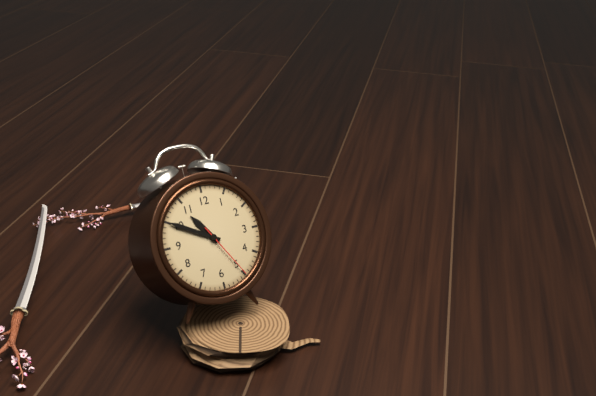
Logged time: 10,50,25
